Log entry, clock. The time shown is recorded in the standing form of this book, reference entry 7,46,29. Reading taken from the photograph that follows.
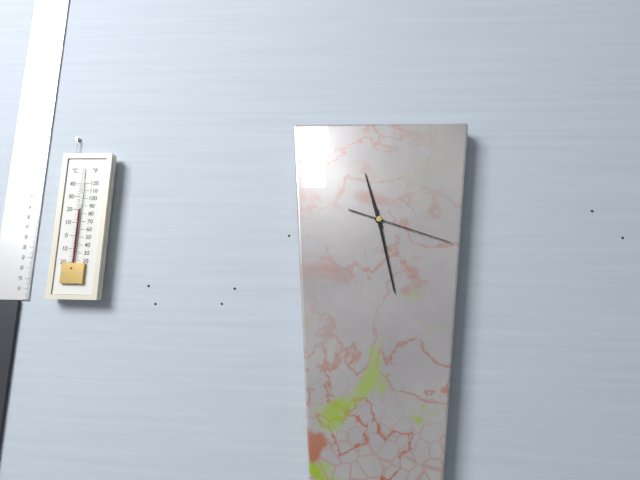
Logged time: 11,28,18
